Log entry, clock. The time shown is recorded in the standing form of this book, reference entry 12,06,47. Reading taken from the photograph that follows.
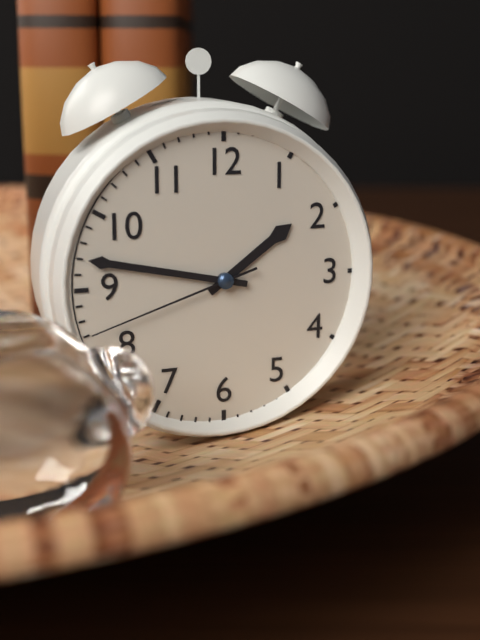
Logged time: 1,47,42
